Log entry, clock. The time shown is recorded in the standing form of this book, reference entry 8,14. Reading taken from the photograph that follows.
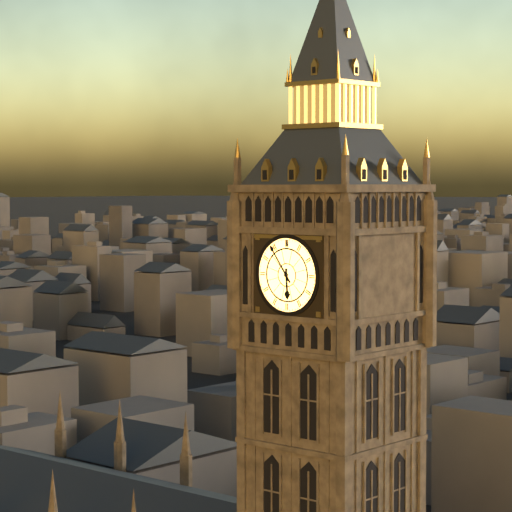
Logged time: 5,54
